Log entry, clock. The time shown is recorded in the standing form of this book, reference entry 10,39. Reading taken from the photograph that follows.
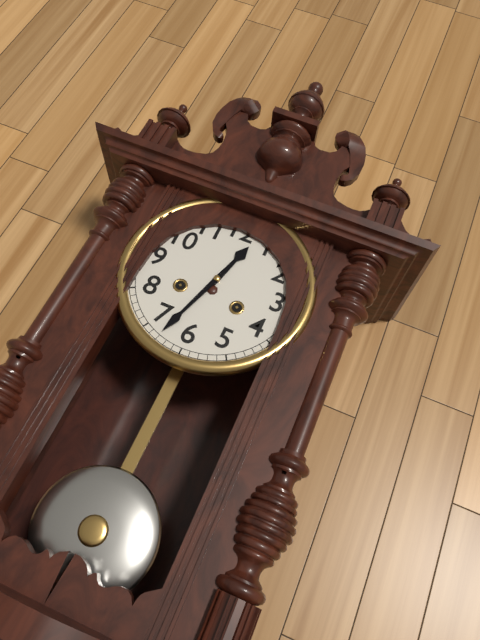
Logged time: 12,33
